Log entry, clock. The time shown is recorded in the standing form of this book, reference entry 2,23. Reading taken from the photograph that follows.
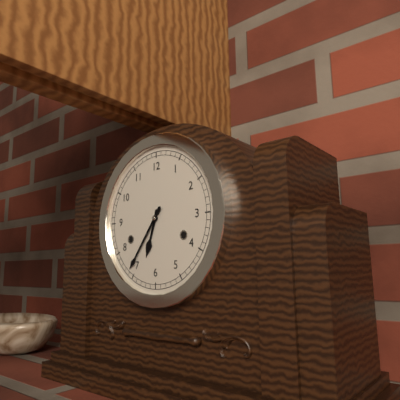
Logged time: 6,36
